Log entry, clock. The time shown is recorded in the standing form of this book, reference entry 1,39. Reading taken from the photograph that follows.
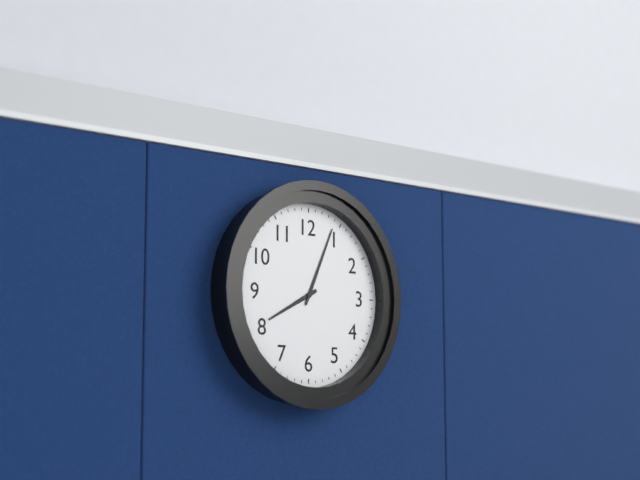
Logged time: 8,04
